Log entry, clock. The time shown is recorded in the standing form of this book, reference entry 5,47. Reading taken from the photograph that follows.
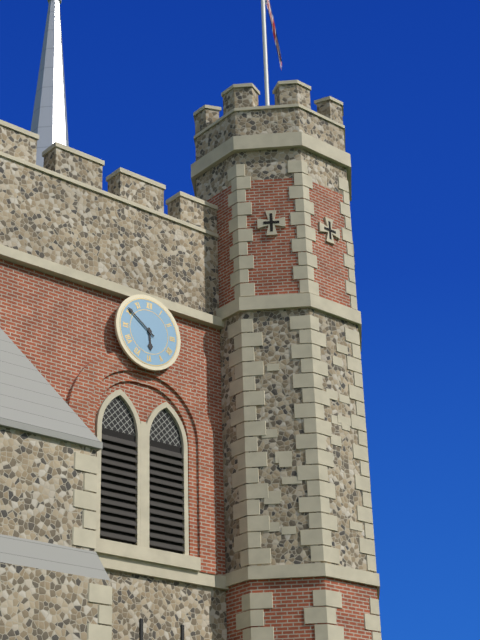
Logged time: 5,51
